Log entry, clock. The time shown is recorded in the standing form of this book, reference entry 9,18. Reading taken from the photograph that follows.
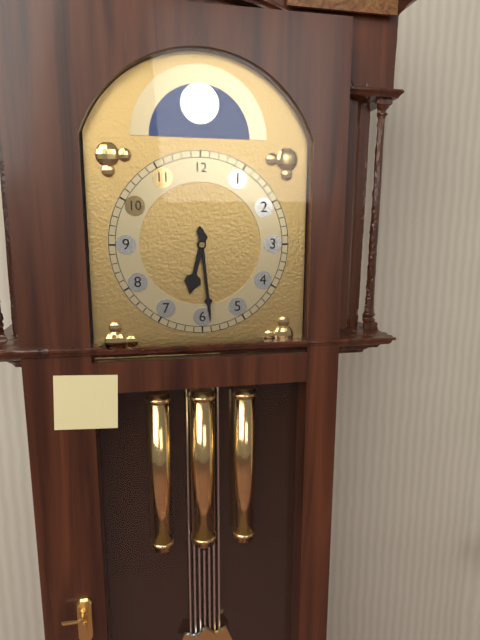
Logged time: 6,29
